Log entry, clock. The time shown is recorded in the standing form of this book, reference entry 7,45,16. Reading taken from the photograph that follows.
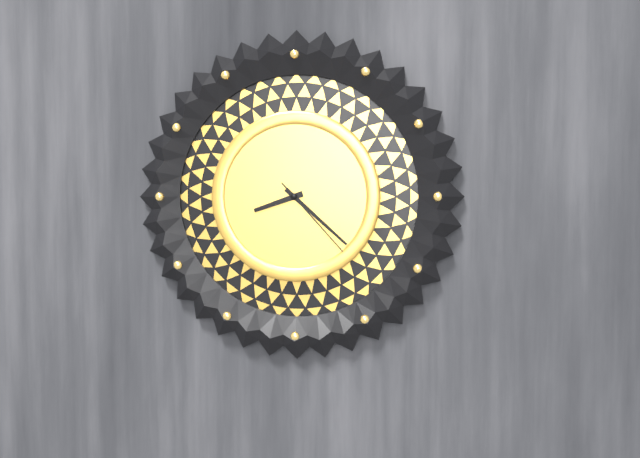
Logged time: 8,22,23
